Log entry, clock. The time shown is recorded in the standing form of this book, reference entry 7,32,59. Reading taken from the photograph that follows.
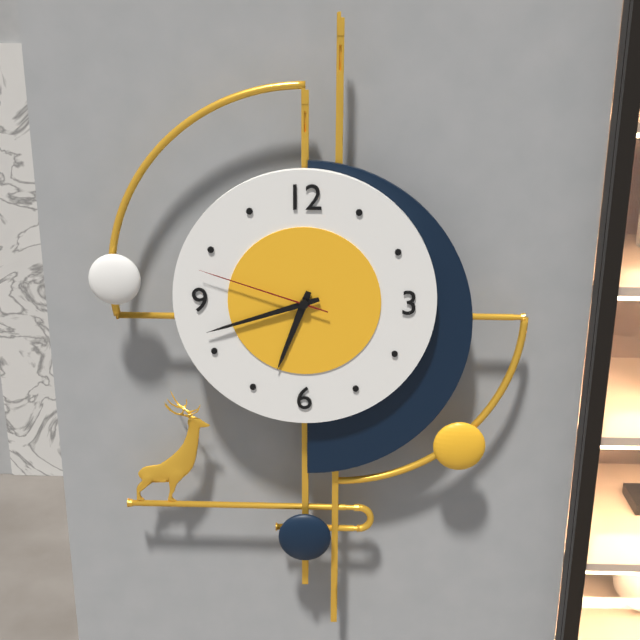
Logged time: 6,42,48
